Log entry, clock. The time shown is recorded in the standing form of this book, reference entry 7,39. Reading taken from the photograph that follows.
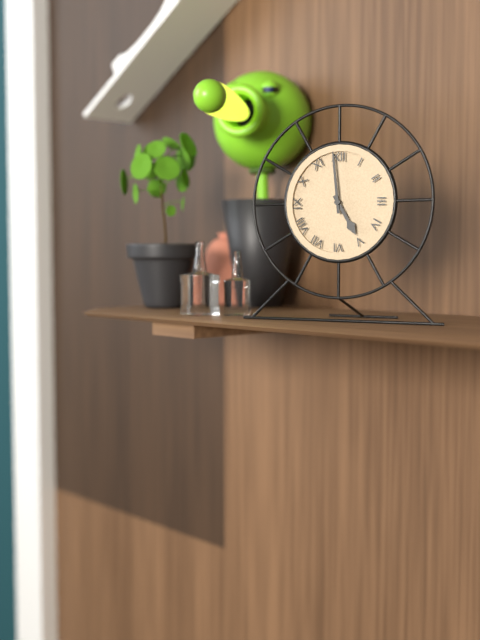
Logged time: 4,59
